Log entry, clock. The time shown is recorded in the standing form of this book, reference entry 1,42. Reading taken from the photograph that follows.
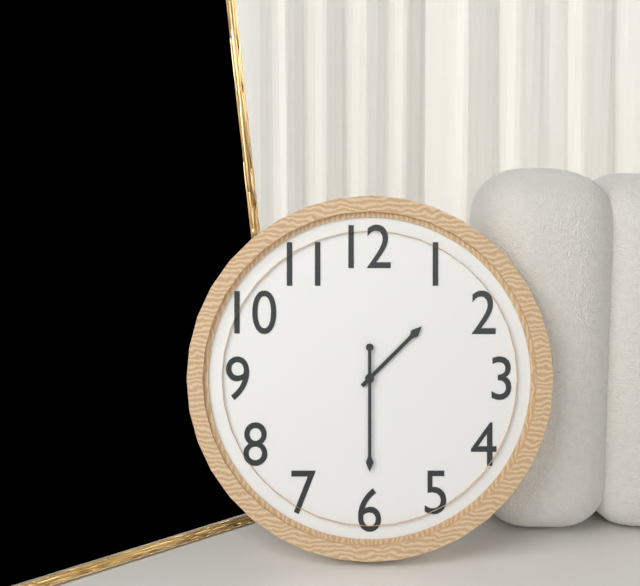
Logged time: 1,30
